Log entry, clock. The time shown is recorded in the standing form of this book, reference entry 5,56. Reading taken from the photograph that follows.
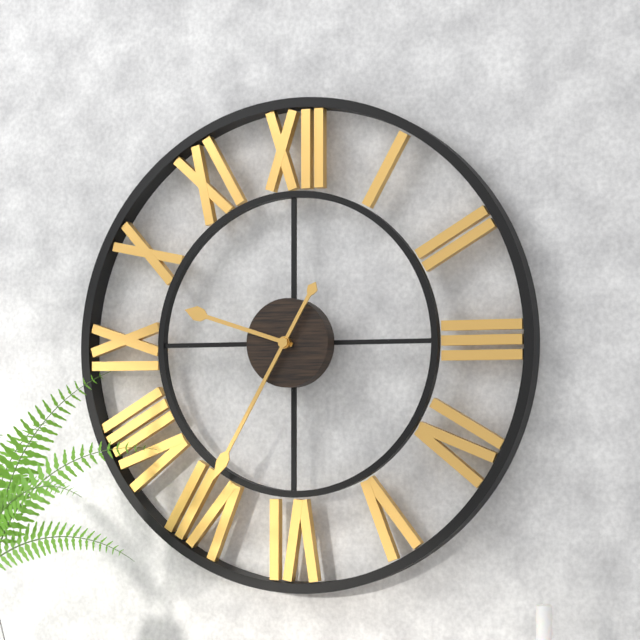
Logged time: 9,35
